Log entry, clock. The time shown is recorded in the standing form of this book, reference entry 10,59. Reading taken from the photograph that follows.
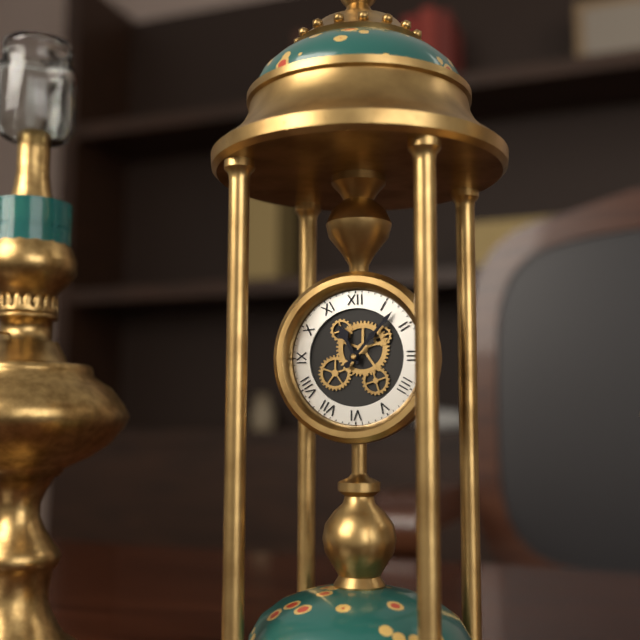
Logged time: 11,07
